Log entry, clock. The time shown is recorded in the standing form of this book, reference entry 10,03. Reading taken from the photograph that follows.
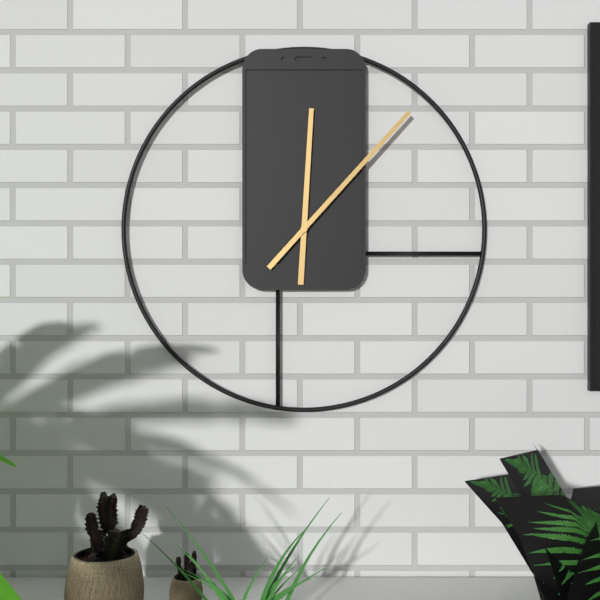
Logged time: 12,07
